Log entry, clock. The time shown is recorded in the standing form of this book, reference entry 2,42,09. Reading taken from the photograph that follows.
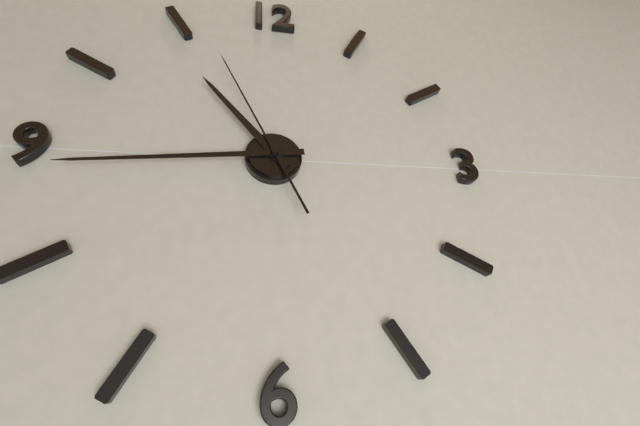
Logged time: 10,44,56
